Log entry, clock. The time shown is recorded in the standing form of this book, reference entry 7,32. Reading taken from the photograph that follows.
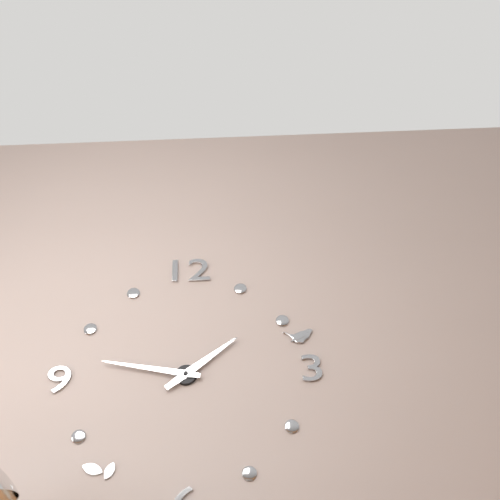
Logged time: 1,47
